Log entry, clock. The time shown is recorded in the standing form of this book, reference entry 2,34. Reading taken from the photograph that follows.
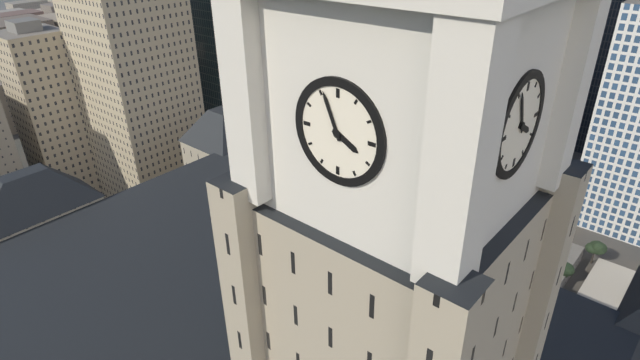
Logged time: 3,56
